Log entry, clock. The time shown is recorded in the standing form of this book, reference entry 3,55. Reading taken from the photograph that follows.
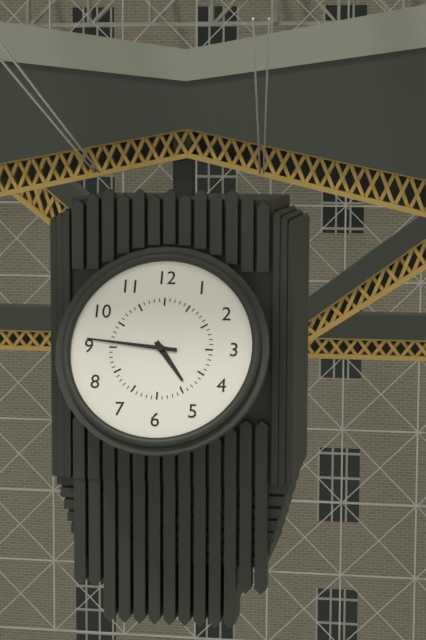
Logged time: 4,46
